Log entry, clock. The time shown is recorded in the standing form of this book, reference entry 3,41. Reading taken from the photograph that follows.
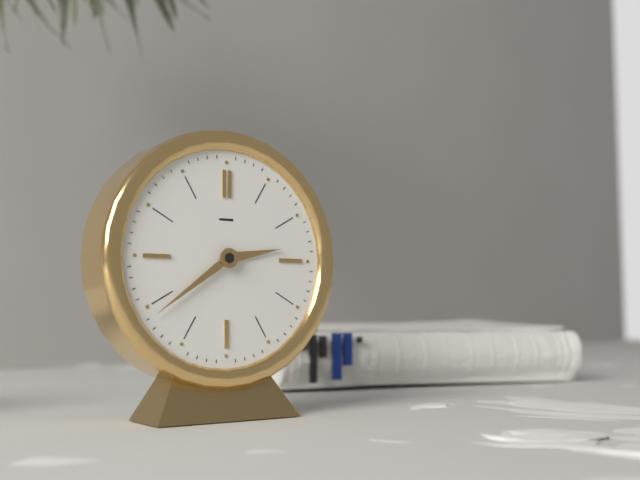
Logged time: 2,39
